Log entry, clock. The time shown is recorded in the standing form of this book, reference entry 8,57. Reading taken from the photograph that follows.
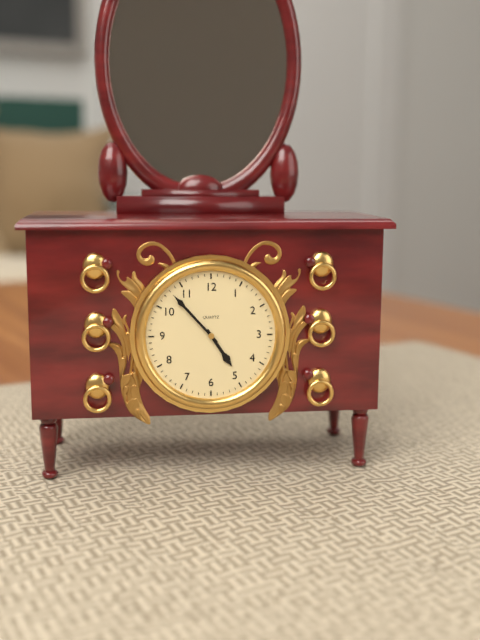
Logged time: 4,53
